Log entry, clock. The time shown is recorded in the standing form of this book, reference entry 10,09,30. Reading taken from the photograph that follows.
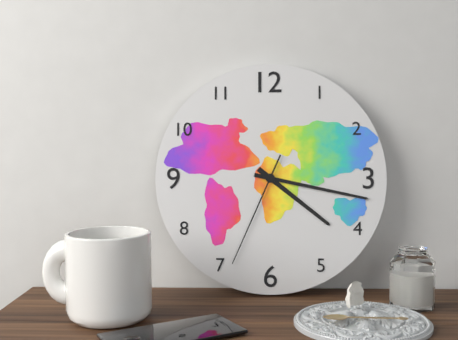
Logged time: 4,17,34
